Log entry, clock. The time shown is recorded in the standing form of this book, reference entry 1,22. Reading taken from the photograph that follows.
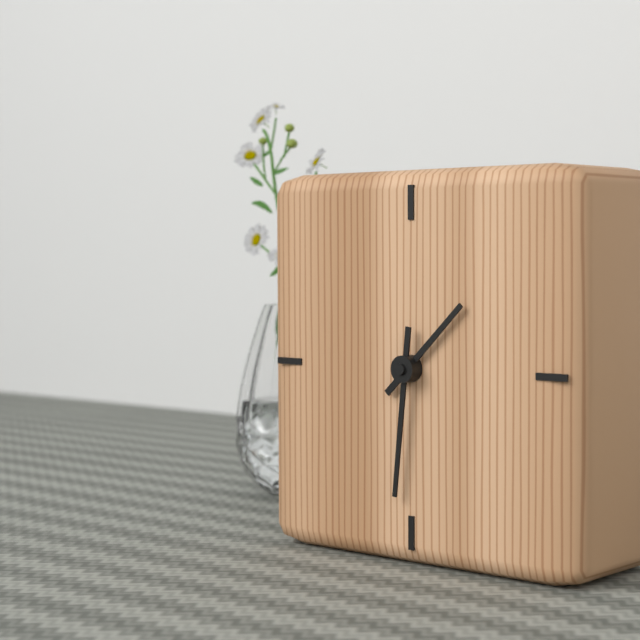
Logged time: 1,31
